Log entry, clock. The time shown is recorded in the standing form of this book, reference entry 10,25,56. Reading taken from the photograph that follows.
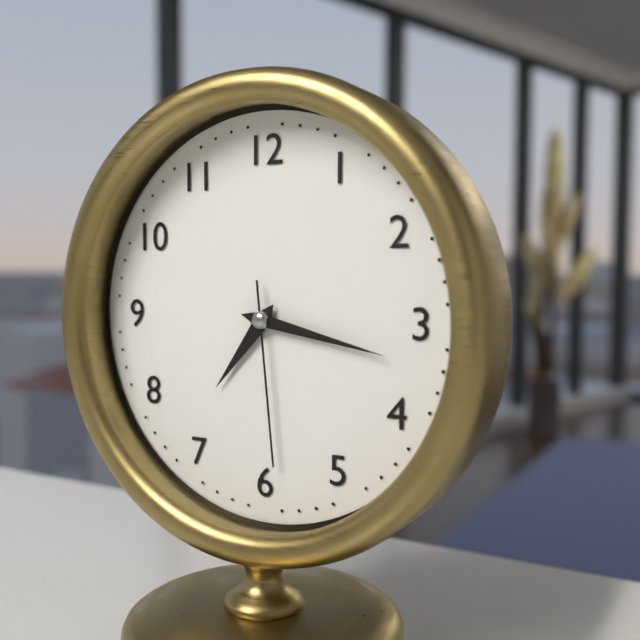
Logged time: 7,17,29
